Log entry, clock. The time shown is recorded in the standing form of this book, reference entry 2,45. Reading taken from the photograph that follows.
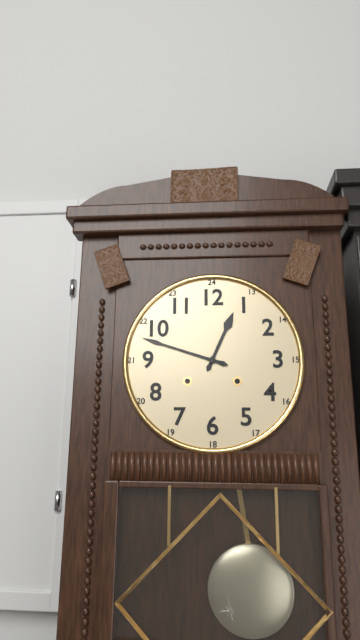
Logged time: 12,48
